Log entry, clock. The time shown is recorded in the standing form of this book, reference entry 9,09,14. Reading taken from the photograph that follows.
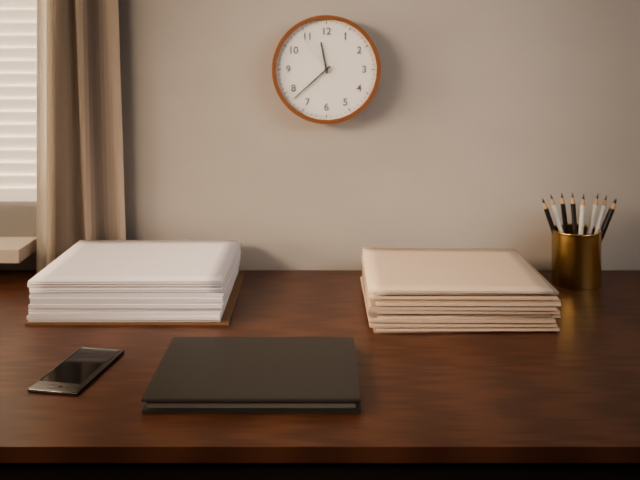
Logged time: 11,38,54
